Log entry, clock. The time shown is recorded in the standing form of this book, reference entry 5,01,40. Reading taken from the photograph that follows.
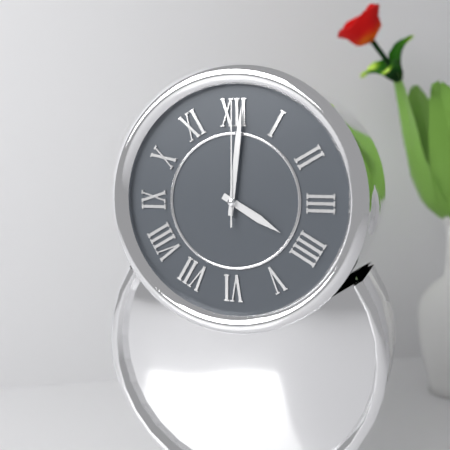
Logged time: 4,01,00
